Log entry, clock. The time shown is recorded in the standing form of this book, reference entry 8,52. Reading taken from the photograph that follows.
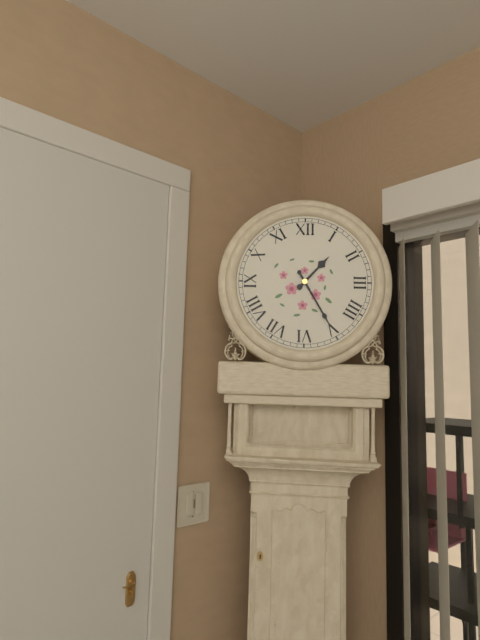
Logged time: 1,25
